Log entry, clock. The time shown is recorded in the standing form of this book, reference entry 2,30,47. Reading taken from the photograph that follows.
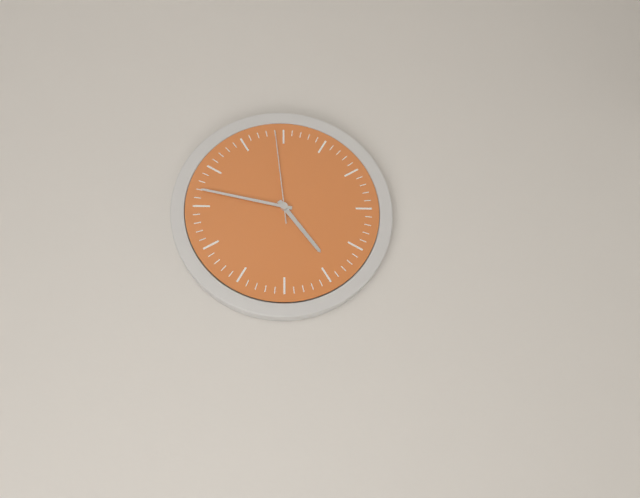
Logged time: 4,47,59
